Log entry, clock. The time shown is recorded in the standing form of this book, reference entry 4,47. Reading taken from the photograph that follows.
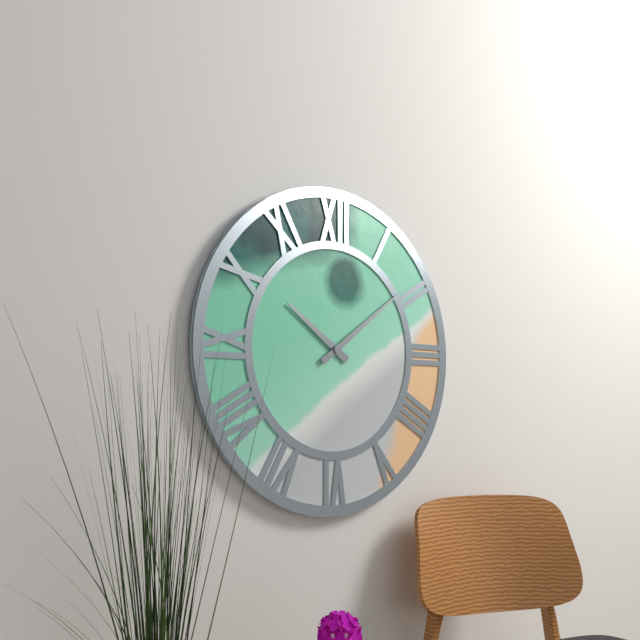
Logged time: 10,09
